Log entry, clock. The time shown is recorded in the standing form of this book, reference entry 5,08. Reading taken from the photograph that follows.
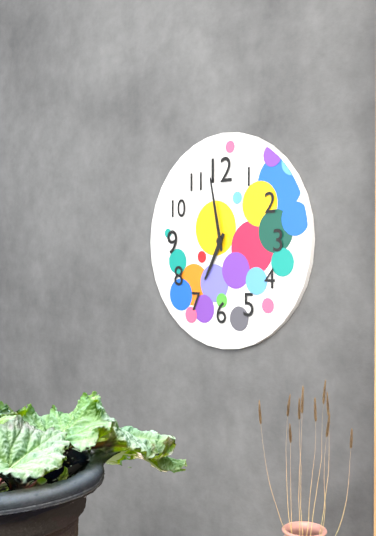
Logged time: 6,58
